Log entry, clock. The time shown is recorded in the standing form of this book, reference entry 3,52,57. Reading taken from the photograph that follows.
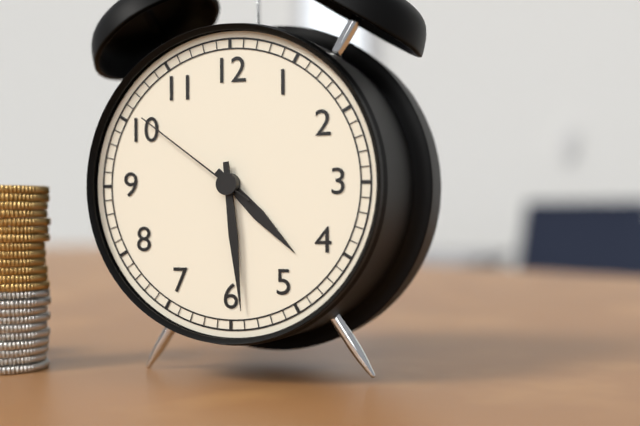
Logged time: 4,29,51
